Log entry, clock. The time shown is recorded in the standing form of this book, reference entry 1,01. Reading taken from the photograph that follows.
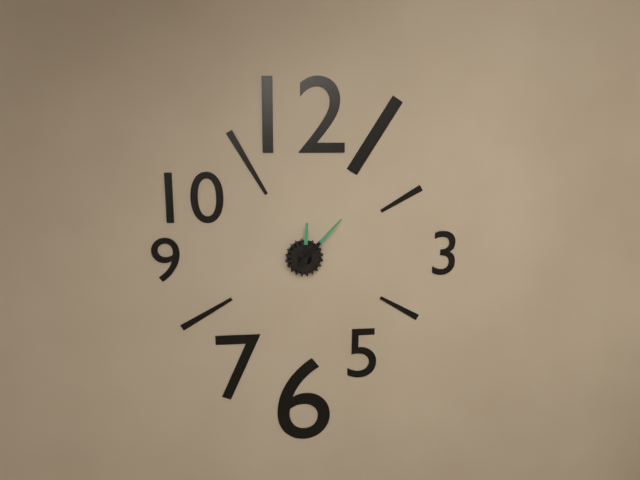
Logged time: 12,07
